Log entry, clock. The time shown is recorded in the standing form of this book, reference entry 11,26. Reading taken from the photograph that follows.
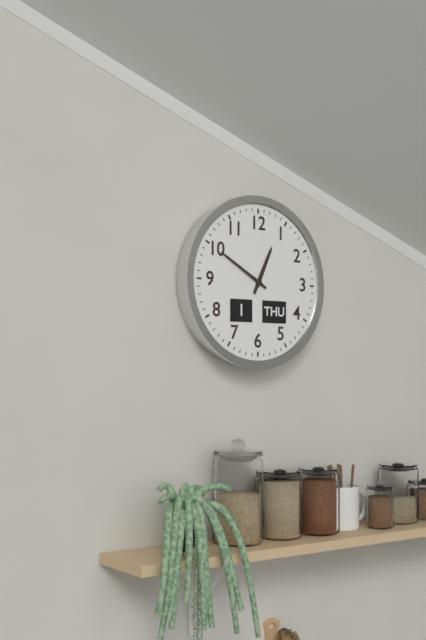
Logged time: 12,50
